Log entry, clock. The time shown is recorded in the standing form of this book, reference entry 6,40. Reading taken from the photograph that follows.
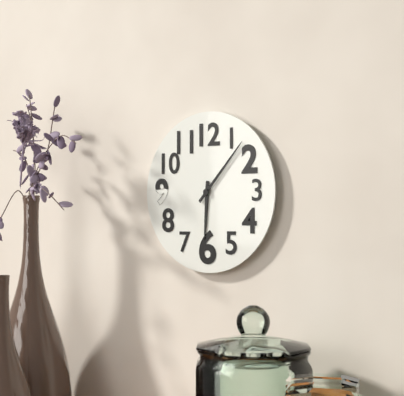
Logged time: 6,07
